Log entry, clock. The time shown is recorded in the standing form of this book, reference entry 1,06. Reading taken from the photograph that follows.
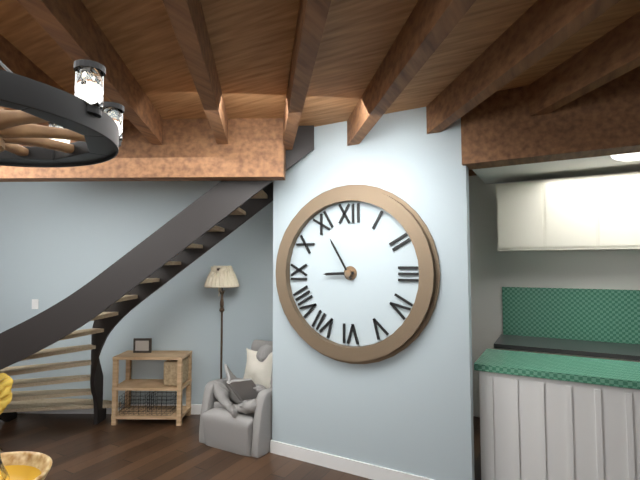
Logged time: 8,55
